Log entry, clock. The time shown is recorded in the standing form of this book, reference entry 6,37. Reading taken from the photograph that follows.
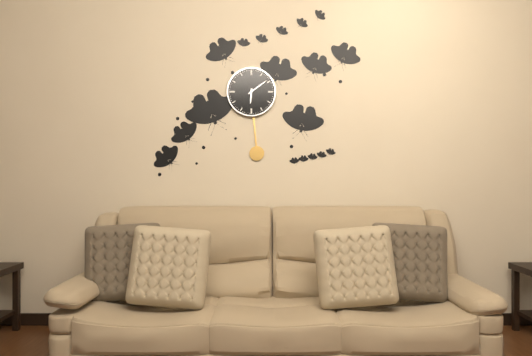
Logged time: 6,09
